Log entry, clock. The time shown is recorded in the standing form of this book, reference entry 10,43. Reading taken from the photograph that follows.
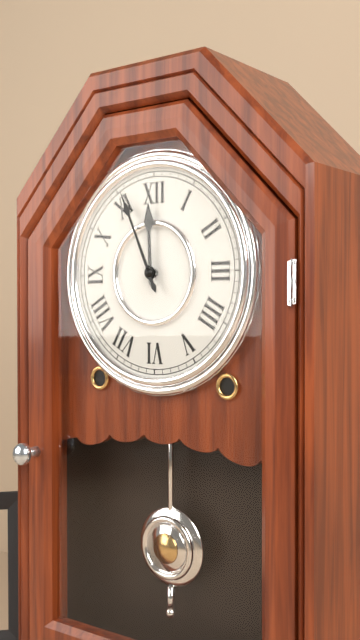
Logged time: 11,56
